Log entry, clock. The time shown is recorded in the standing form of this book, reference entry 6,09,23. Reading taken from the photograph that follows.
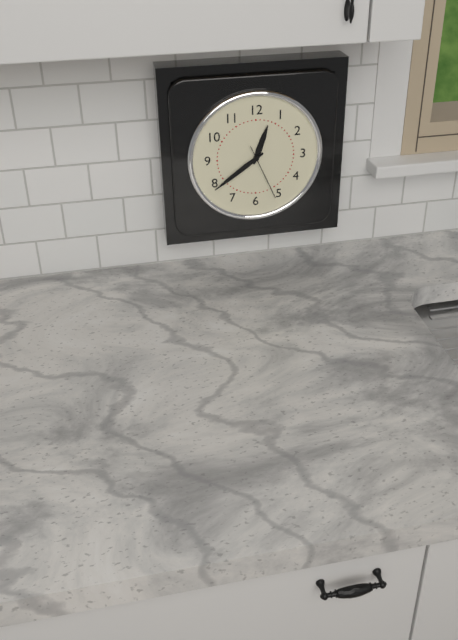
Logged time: 12,39,26
